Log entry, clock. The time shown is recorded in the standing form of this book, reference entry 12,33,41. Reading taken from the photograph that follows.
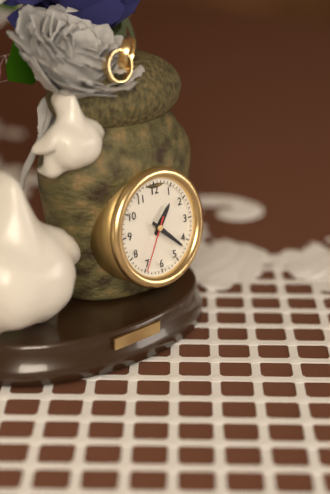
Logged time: 1,22,35
